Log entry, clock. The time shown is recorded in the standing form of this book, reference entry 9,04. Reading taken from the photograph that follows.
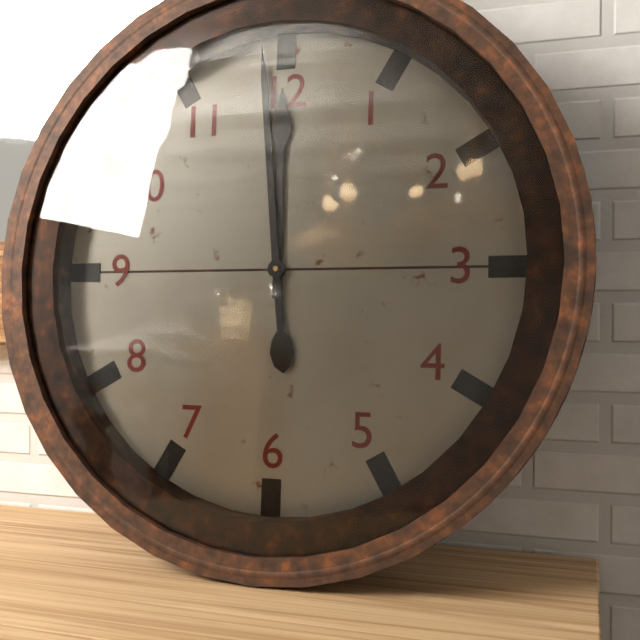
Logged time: 11,59
